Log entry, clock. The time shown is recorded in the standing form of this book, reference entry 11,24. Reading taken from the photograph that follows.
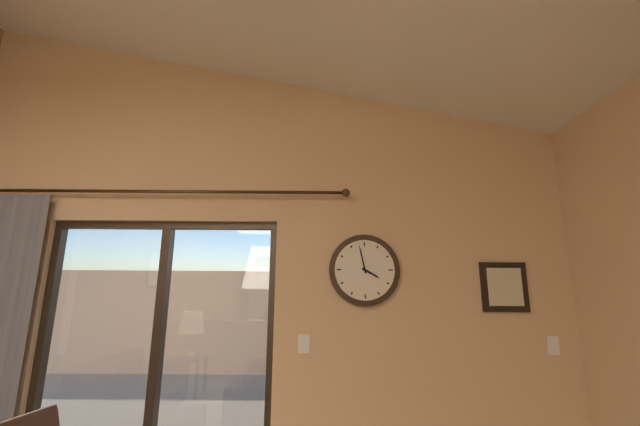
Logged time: 3,58
